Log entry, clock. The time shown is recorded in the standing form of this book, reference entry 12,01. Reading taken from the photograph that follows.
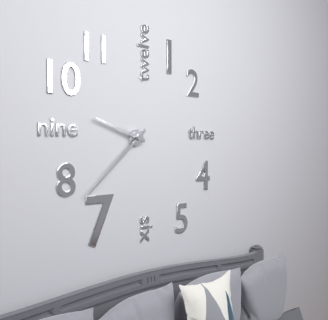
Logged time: 9,38
